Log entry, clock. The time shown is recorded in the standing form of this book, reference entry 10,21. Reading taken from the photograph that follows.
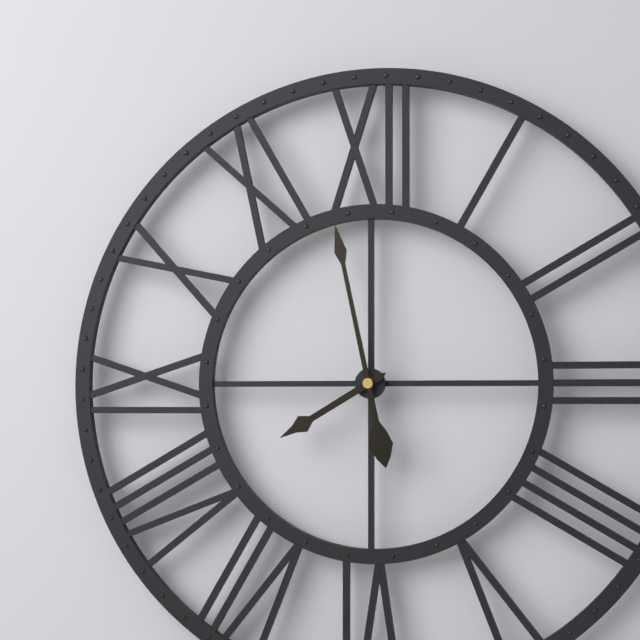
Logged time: 7,58
